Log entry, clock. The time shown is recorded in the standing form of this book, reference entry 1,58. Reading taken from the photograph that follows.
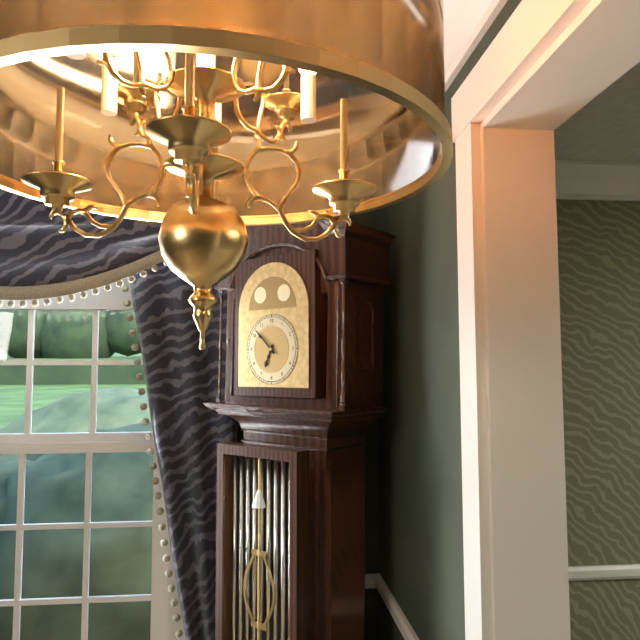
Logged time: 6,52
